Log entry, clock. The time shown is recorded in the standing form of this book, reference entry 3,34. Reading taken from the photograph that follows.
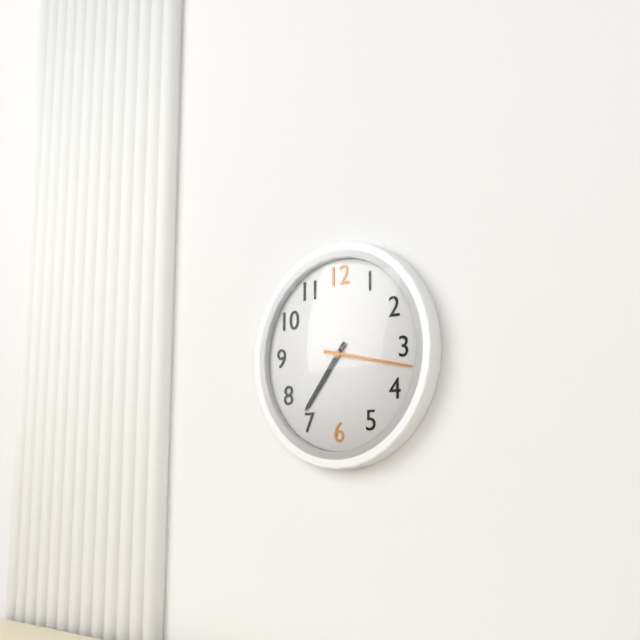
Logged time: 7,17
